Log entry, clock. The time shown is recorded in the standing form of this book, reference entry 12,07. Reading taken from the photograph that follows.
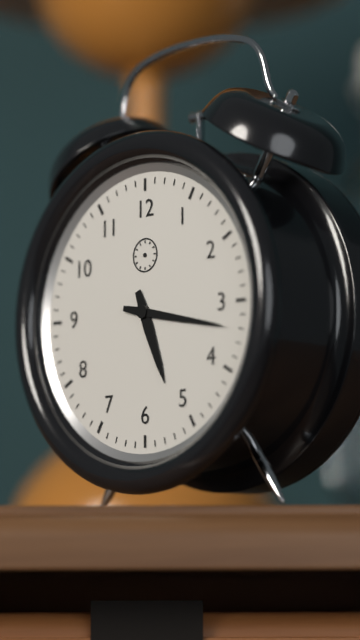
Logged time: 5,17
